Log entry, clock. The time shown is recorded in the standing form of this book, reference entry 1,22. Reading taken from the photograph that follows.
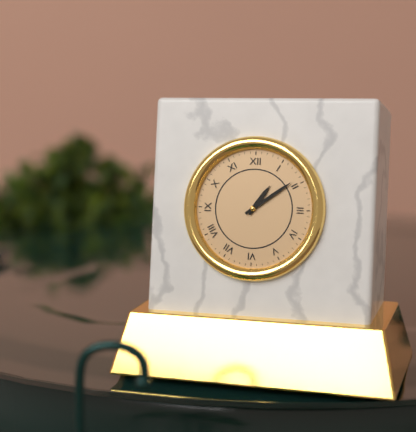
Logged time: 1,09
